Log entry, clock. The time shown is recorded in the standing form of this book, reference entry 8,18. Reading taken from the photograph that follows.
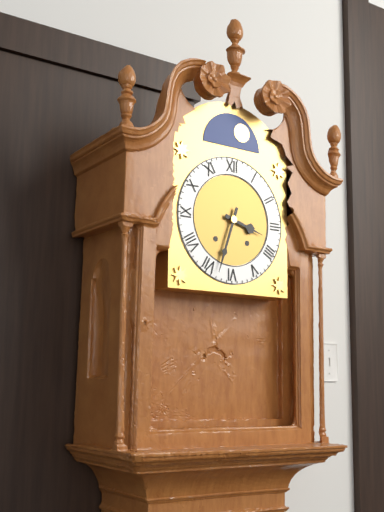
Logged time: 3,33
